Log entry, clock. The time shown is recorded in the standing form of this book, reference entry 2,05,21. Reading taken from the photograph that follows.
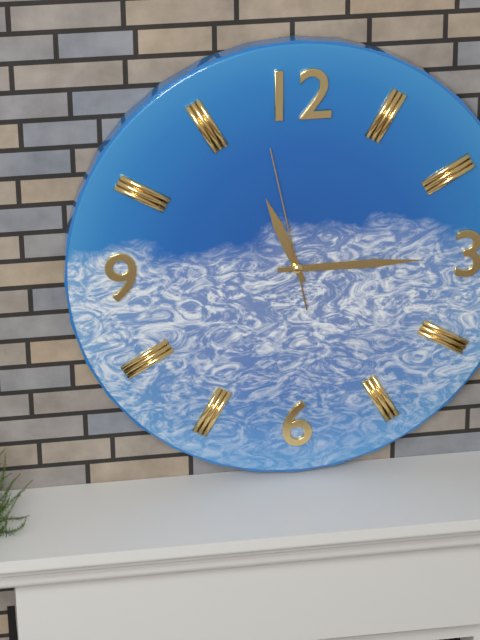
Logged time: 11,15,58
